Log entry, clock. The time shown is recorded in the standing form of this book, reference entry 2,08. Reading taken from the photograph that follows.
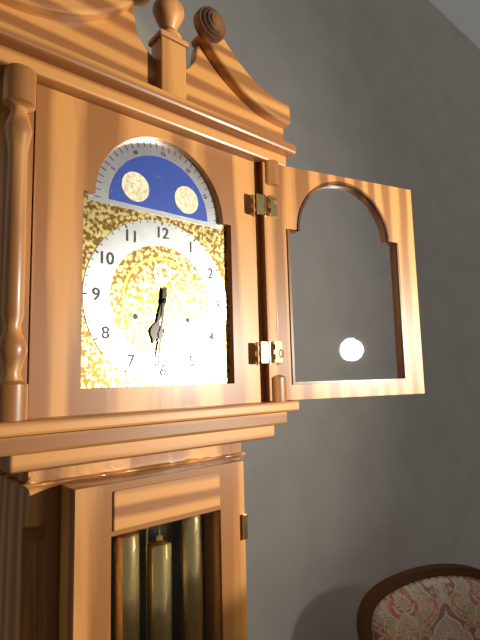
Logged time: 6,31
